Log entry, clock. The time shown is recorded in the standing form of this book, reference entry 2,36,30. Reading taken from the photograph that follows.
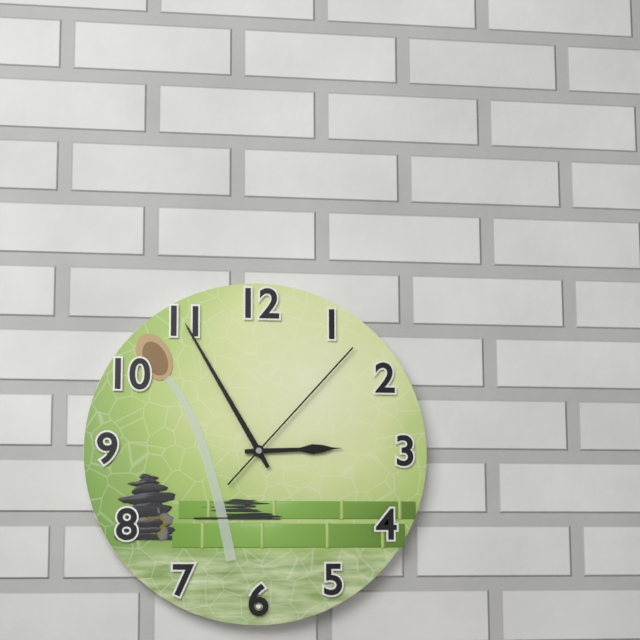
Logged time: 2,55,07
